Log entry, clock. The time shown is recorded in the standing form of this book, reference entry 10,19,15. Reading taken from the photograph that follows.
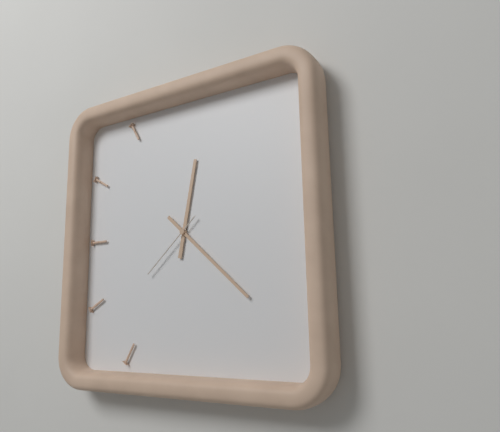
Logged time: 12,22,38
